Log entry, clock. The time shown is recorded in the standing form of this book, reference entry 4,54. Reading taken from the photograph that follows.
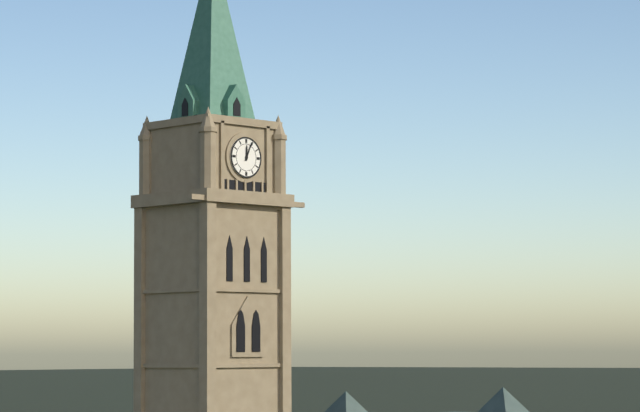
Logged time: 12,04
